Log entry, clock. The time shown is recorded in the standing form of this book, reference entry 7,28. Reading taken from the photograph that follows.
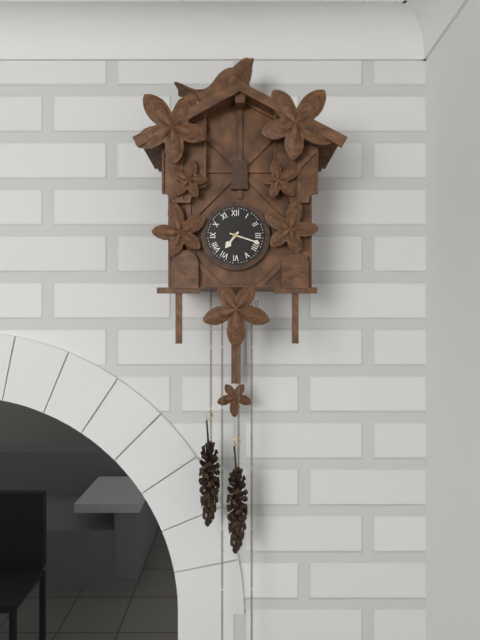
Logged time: 7,18
